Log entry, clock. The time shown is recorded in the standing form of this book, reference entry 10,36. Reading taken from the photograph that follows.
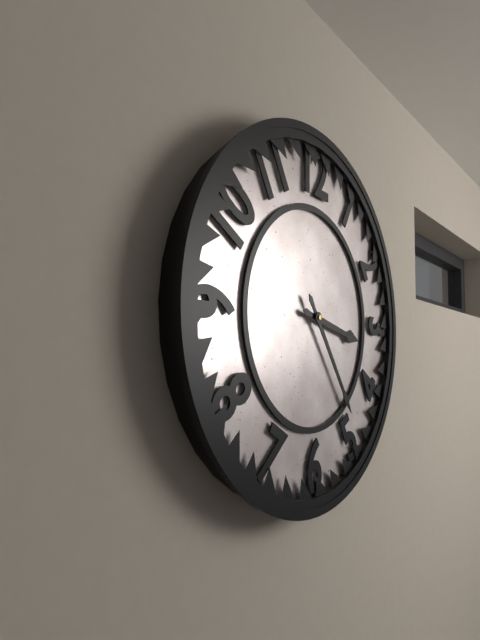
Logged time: 3,24
